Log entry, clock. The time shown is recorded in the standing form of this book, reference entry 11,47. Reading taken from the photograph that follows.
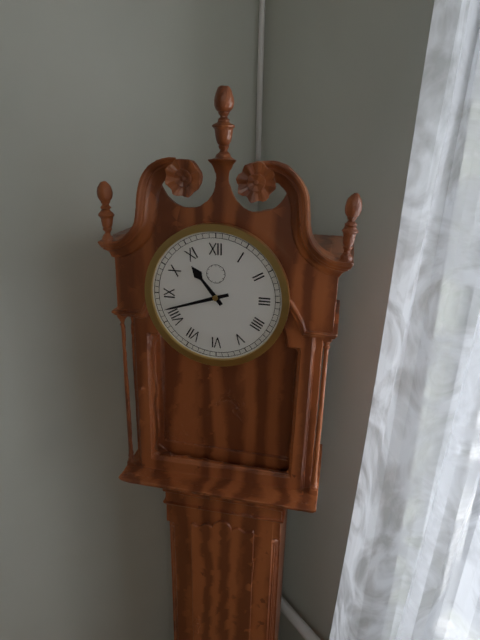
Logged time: 10,42
